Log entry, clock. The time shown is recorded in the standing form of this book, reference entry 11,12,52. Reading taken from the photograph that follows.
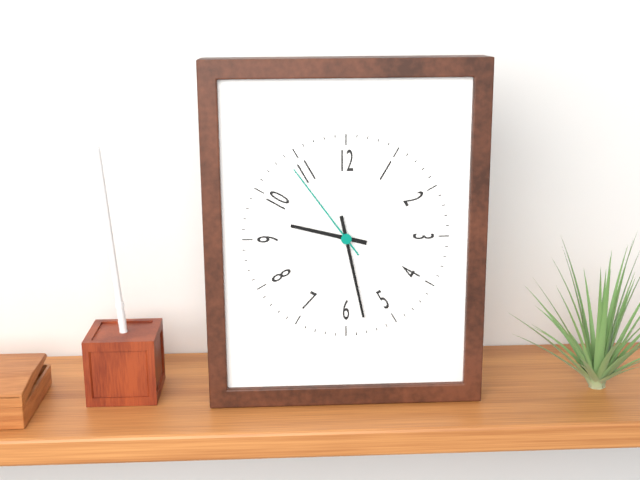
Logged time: 9,28,54
